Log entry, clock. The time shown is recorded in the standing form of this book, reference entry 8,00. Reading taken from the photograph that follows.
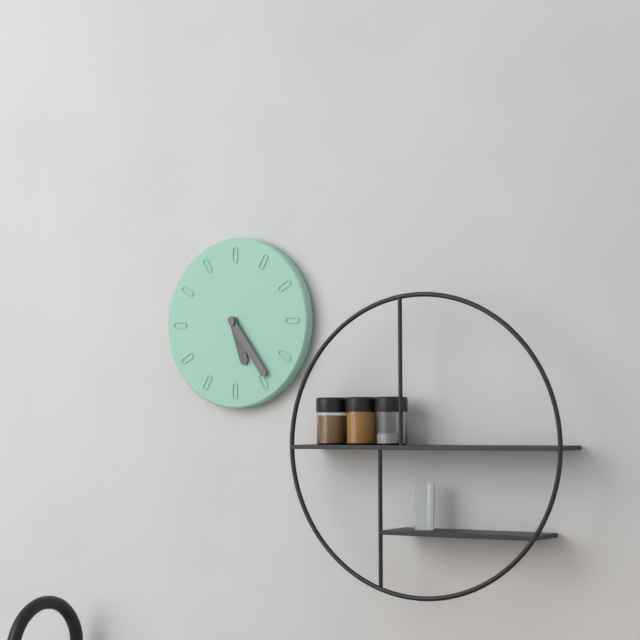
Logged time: 5,24
